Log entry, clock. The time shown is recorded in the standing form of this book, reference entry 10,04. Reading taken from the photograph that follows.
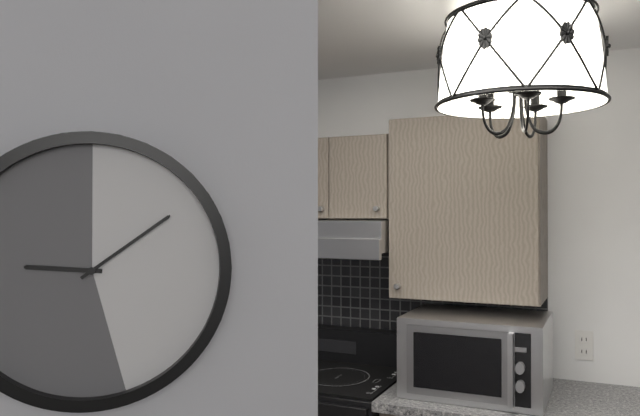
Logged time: 9,09
